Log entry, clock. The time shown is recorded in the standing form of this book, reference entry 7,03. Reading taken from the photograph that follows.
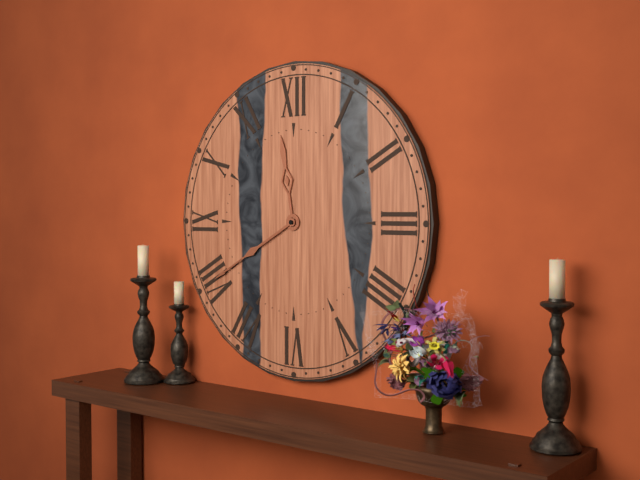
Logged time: 11,40
